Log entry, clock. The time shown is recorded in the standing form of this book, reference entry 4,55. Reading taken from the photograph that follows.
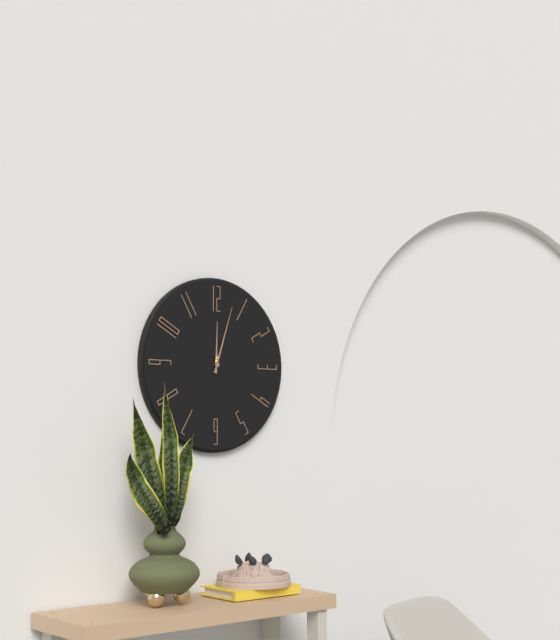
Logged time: 12,03
